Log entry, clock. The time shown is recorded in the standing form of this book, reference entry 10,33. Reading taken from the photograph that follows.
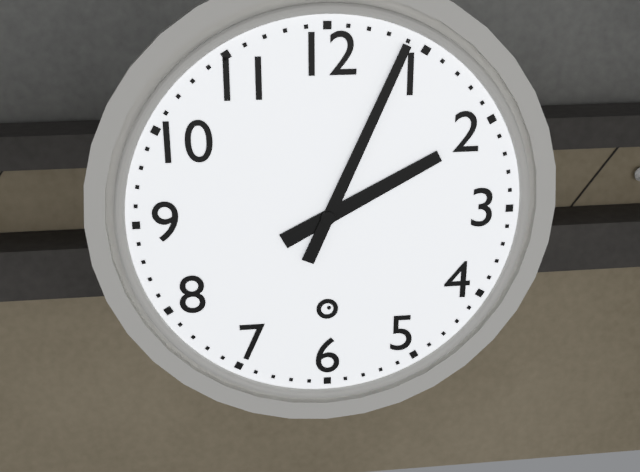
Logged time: 2,04
